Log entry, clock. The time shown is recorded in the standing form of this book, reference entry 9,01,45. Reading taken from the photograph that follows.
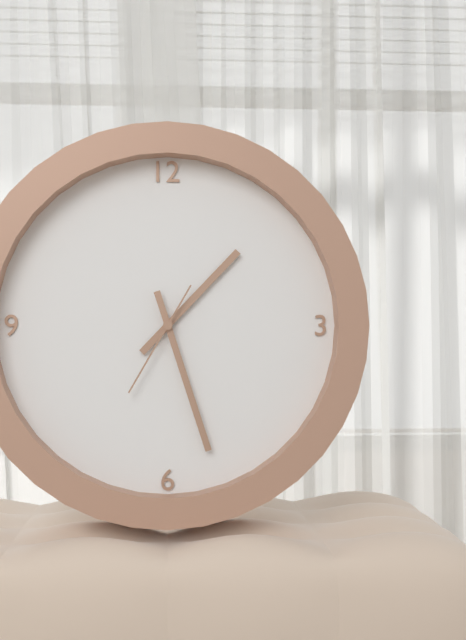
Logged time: 1,27,35
